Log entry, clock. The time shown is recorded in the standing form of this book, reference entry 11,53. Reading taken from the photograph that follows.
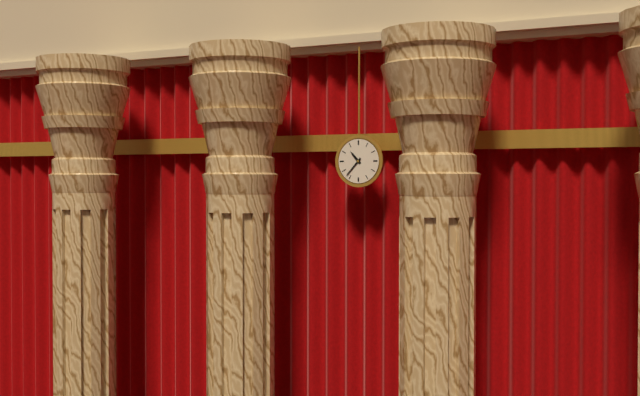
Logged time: 10,37
